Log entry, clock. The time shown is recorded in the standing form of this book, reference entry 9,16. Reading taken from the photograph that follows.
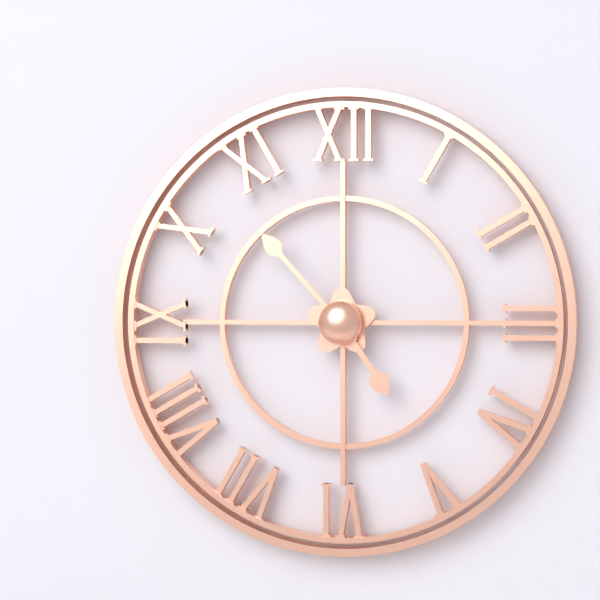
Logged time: 4,53
